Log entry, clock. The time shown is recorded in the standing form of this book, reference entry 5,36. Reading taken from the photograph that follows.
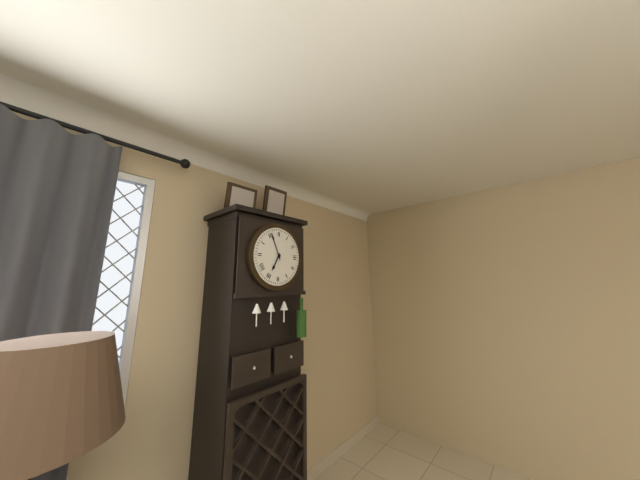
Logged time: 6,56
